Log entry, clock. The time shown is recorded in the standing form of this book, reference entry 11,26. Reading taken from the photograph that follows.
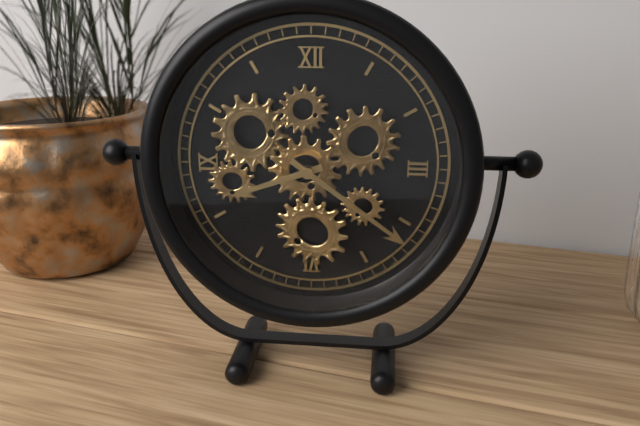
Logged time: 8,21
